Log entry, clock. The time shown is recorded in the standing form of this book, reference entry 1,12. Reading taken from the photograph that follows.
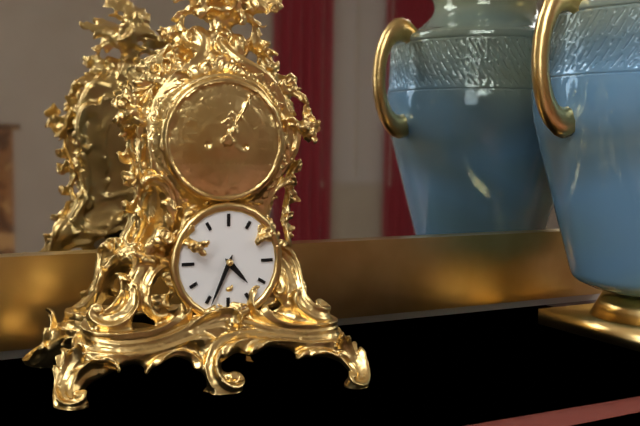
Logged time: 4,34
